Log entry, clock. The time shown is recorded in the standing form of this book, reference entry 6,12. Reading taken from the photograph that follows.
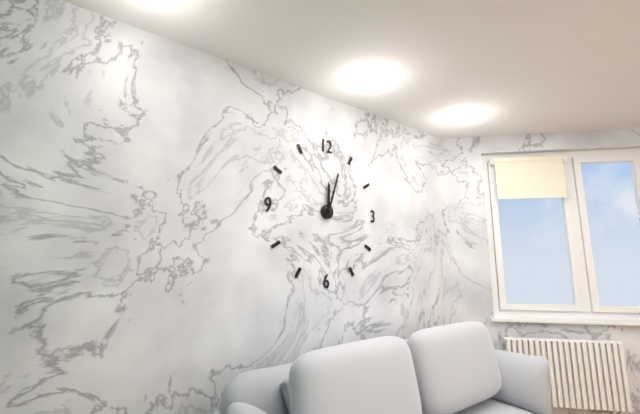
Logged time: 12,03
